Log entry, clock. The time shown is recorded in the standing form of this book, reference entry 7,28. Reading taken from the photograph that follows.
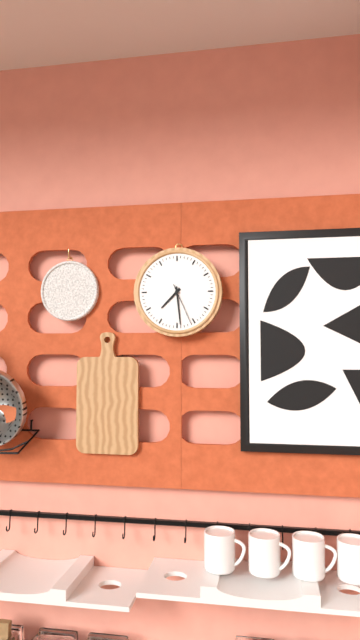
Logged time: 7,29
